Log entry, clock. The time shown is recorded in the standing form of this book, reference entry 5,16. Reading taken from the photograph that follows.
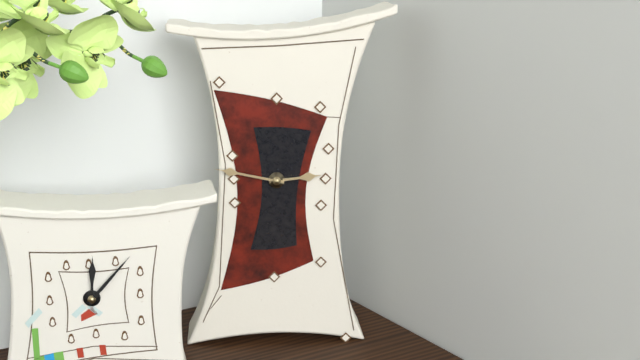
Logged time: 2,47
